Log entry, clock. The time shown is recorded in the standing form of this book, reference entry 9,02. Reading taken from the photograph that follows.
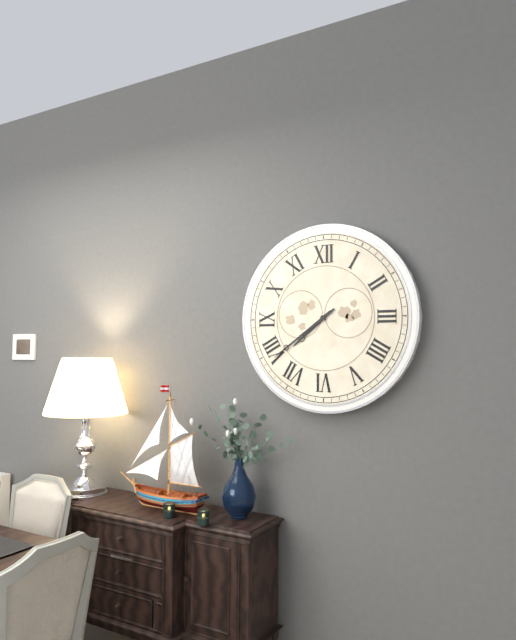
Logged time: 7,39
